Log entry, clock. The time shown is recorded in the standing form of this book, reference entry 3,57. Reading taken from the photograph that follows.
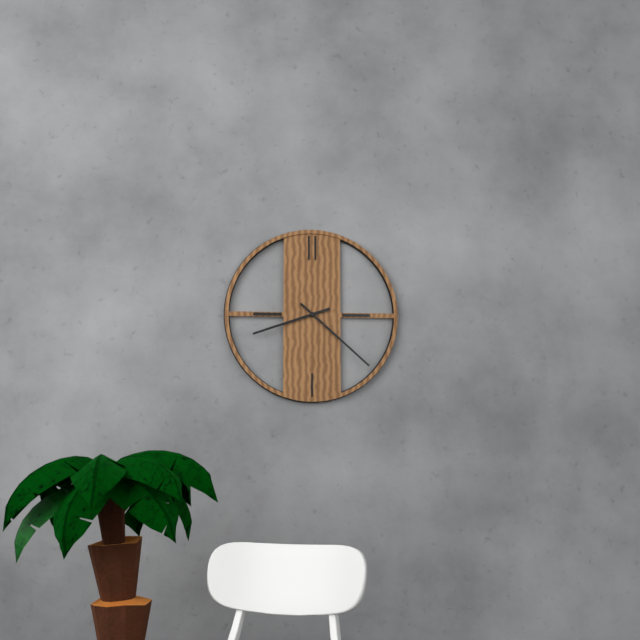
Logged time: 8,22
